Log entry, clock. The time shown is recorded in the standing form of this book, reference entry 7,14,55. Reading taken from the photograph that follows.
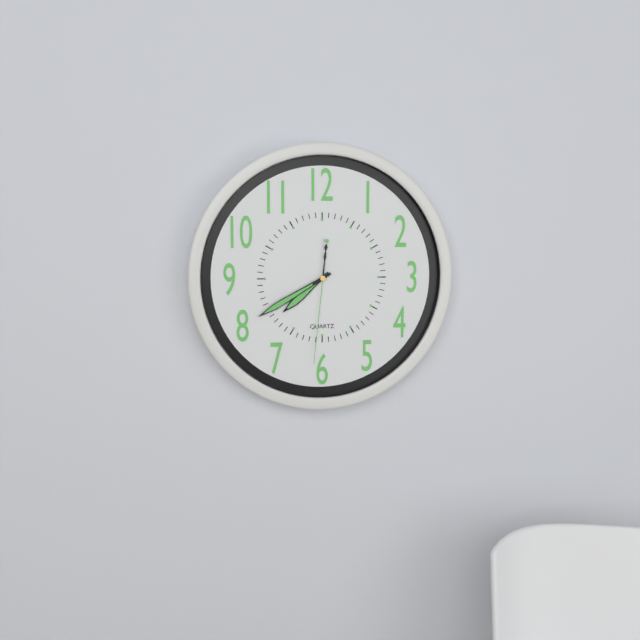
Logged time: 7,40,31
